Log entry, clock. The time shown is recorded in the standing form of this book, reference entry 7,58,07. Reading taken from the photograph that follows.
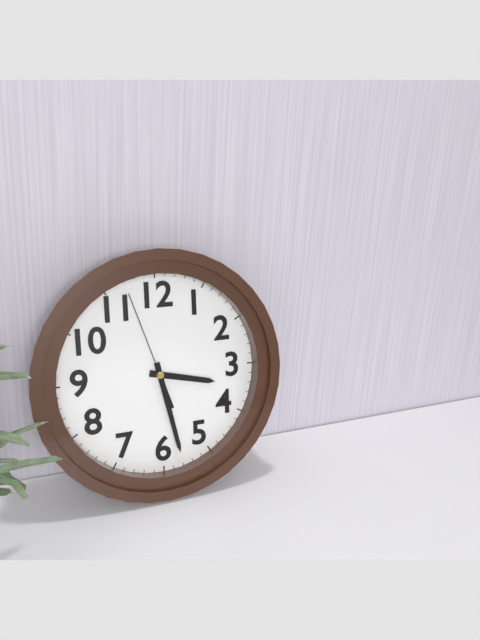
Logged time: 3,28,57
